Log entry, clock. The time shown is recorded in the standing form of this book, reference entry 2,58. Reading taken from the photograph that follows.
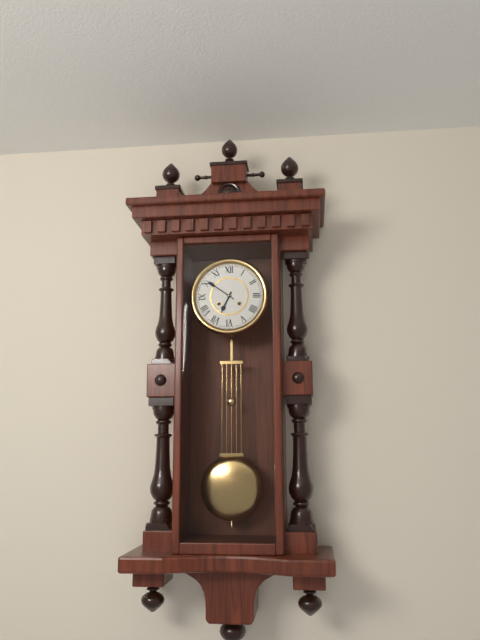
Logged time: 6,51
